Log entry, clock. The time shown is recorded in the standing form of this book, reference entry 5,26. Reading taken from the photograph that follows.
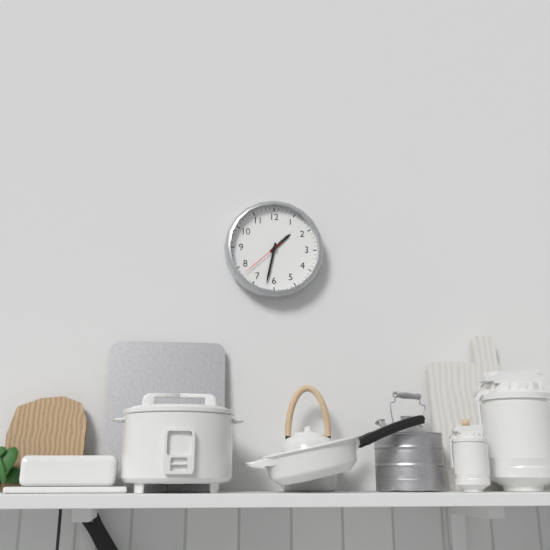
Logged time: 1,32
